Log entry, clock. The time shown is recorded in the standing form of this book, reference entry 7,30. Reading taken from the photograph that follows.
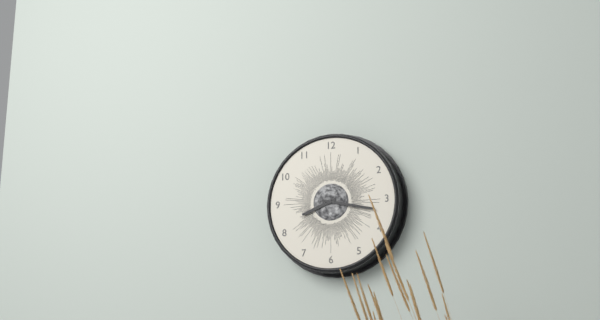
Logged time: 8,17
